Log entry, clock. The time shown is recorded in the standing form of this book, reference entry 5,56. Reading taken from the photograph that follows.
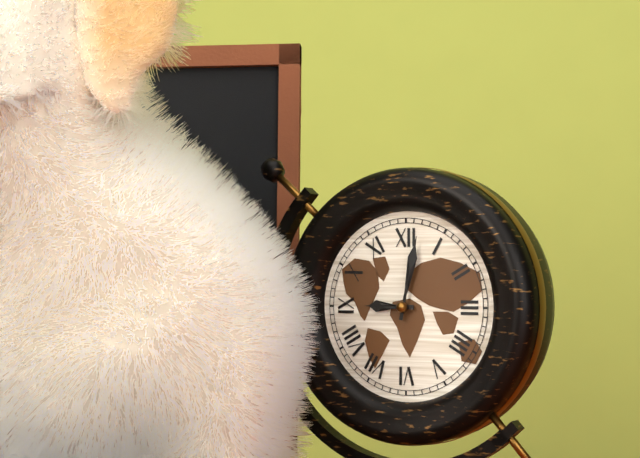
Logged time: 9,02
